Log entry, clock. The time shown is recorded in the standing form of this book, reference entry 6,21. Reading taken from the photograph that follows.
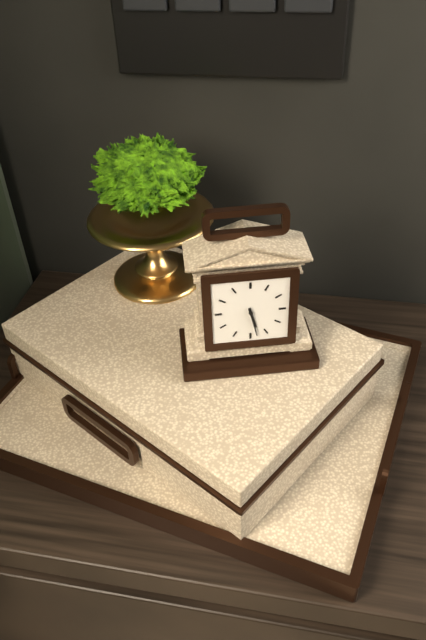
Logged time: 5,28
